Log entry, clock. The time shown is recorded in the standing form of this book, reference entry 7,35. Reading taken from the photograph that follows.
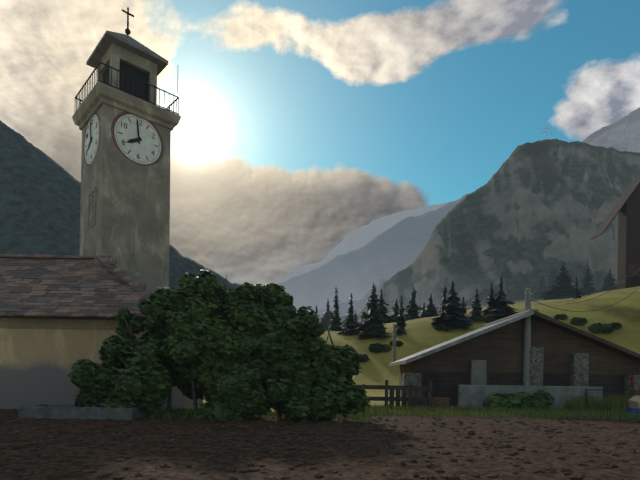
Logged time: 7,59
